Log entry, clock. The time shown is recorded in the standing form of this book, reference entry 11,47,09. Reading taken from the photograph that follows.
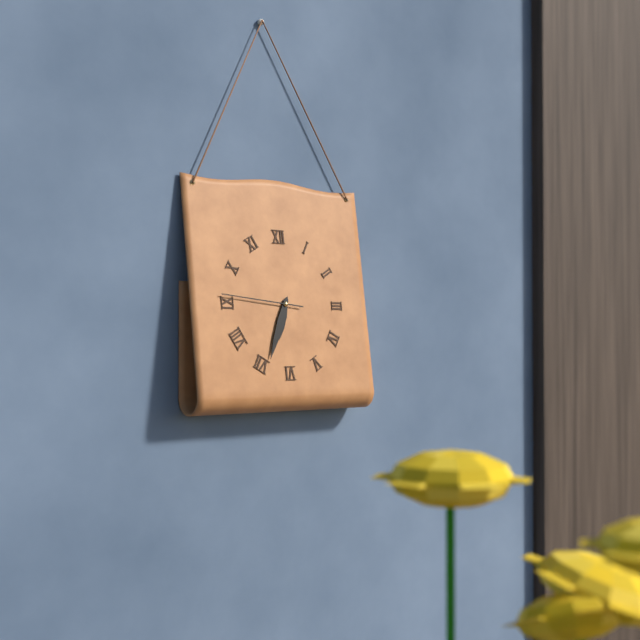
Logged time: 6,34,46
